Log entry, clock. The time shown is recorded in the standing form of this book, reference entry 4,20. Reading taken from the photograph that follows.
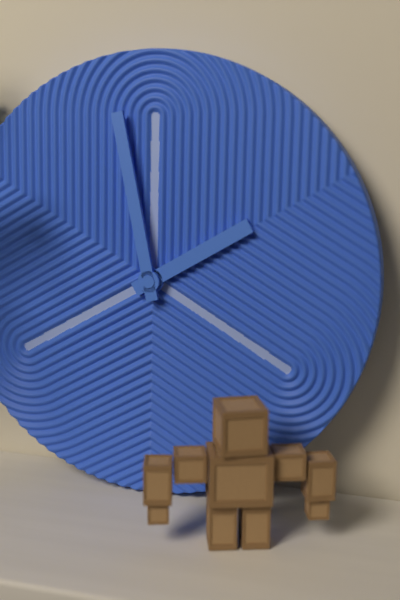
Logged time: 1,58
